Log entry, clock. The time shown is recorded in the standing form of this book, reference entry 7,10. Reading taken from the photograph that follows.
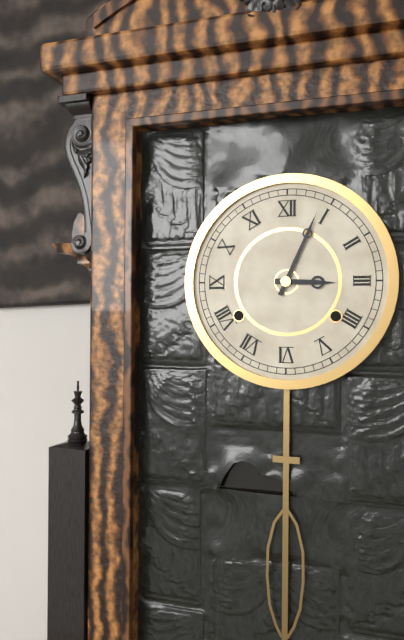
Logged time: 3,04
